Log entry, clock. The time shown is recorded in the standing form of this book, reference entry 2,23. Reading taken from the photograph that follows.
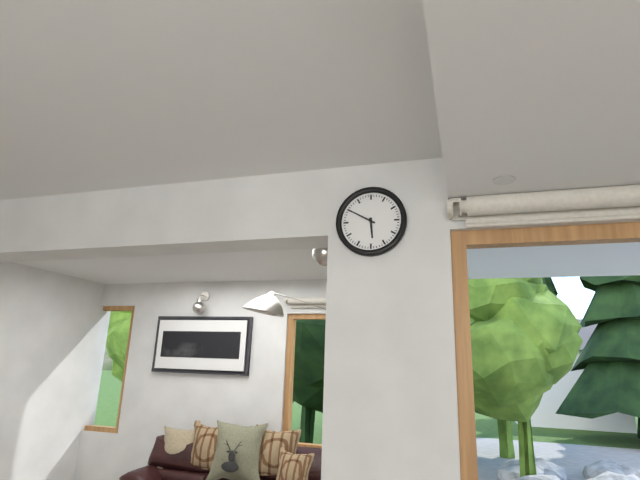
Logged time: 5,50
